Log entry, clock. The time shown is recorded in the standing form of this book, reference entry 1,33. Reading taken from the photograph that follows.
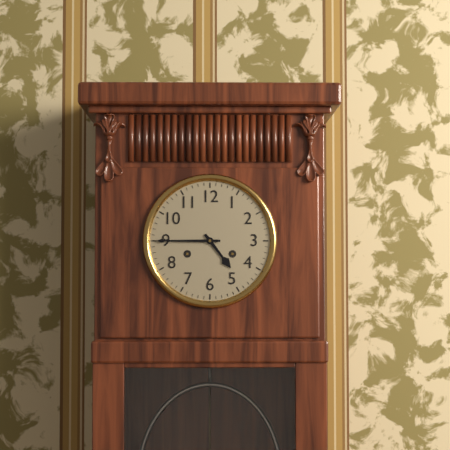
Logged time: 4,45
